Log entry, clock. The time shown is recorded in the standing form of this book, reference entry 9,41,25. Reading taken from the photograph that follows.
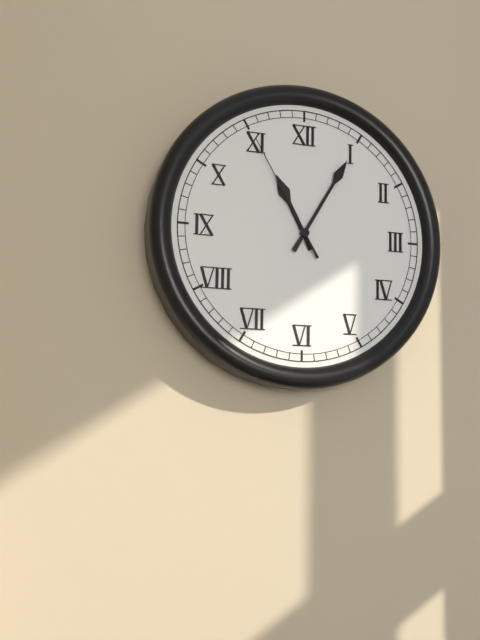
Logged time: 11,05,55
